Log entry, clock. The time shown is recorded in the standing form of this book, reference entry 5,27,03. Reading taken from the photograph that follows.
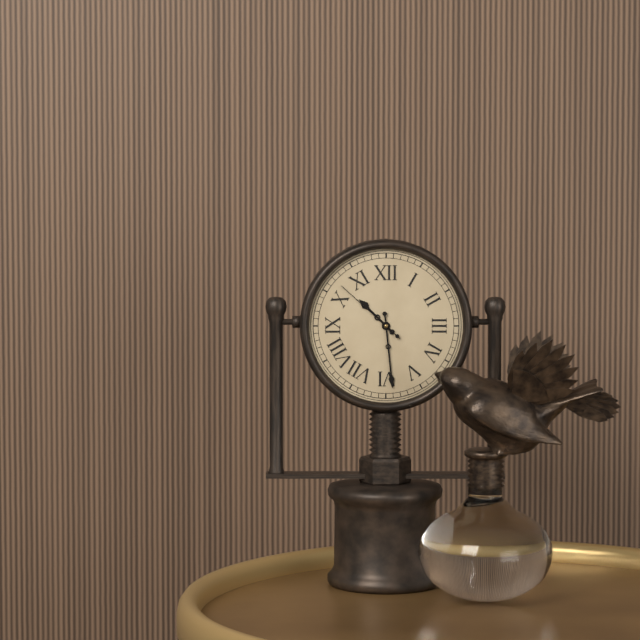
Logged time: 10,29,52
